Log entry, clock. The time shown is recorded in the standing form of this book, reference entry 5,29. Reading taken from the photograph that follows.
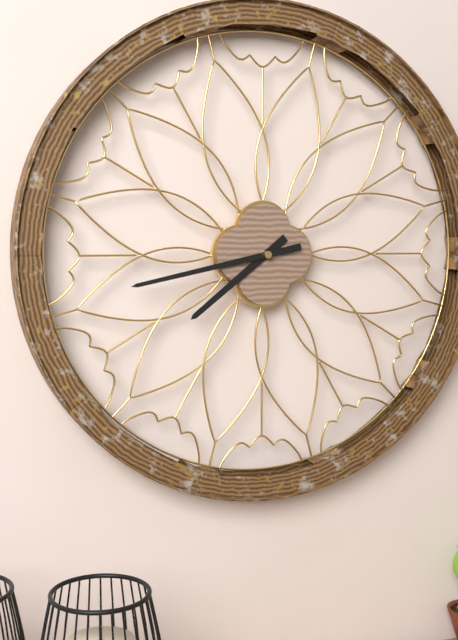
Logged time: 7,43
